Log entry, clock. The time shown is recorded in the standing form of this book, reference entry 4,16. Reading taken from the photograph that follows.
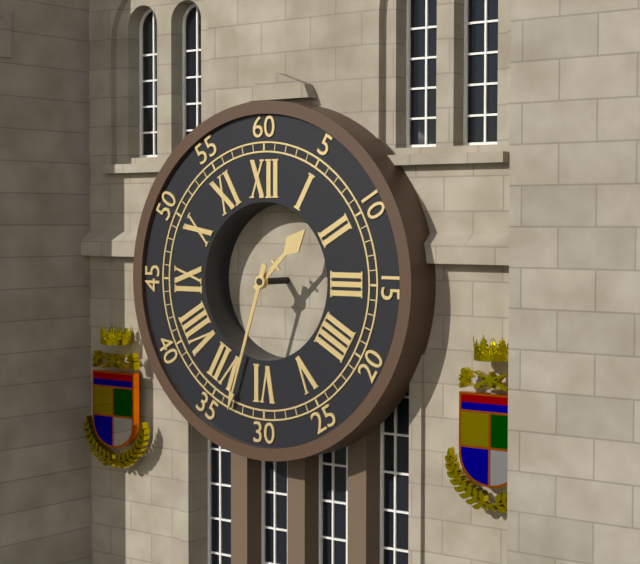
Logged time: 1,33
